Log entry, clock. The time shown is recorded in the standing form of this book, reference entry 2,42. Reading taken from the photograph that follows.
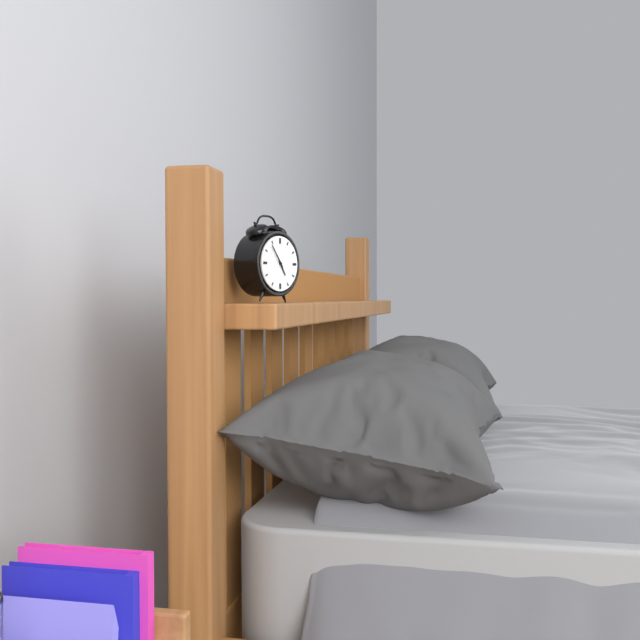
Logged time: 4,54
